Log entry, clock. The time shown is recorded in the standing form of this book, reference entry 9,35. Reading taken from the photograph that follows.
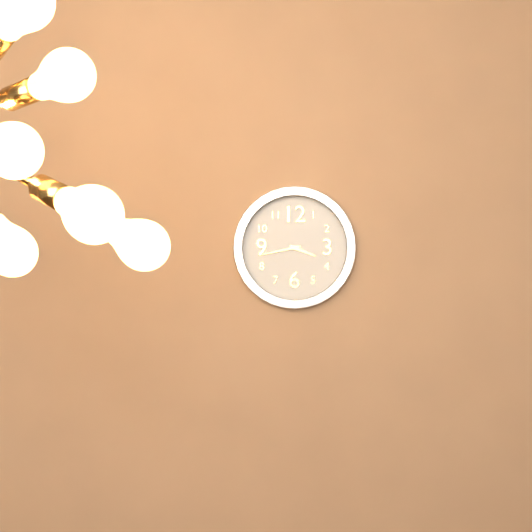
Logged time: 3,43
